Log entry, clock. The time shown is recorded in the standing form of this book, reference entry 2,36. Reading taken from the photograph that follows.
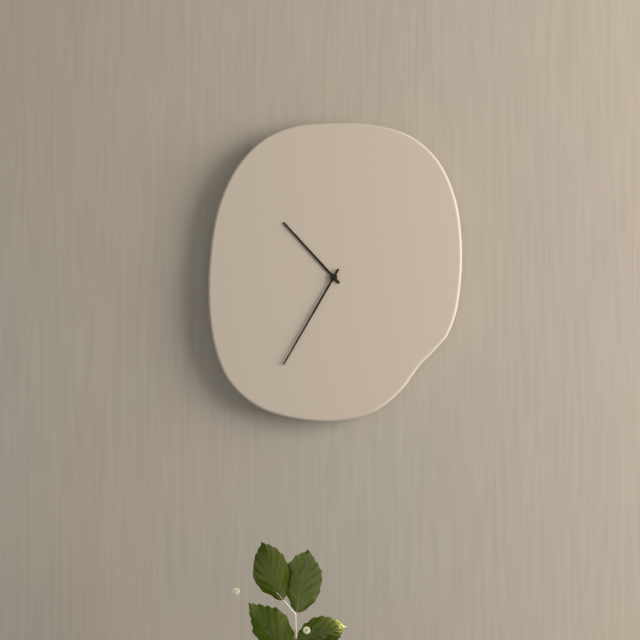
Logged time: 10,35
